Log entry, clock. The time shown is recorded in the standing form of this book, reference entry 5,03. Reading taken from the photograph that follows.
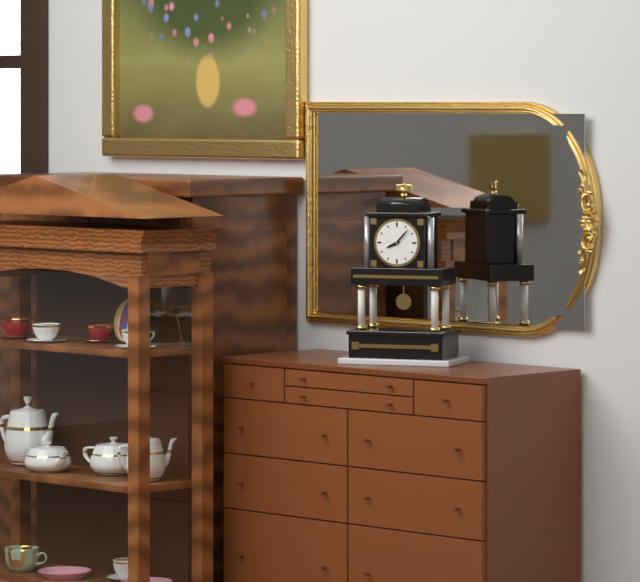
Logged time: 8,07
